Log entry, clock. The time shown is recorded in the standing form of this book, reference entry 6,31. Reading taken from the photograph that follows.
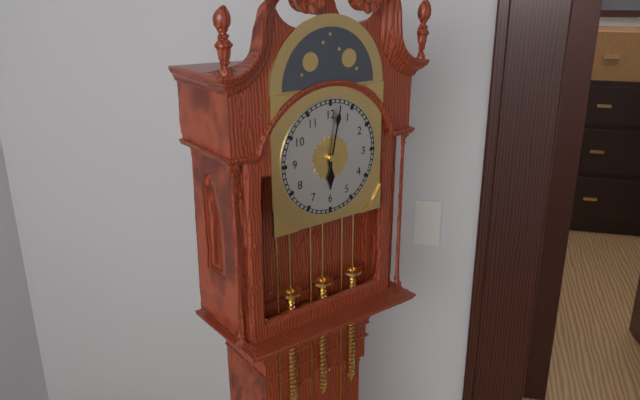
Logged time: 6,02
